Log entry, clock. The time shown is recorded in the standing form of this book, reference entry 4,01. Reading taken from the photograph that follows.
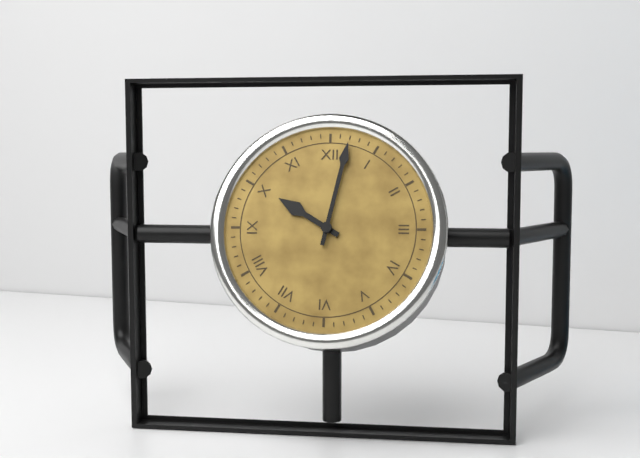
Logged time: 10,02
